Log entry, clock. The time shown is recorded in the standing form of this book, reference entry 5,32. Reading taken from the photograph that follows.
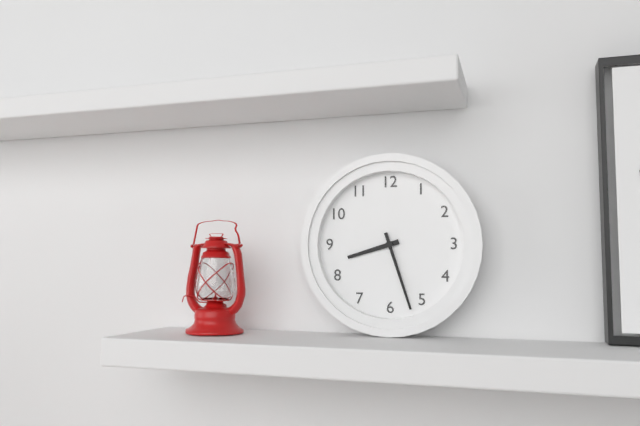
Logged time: 8,27
